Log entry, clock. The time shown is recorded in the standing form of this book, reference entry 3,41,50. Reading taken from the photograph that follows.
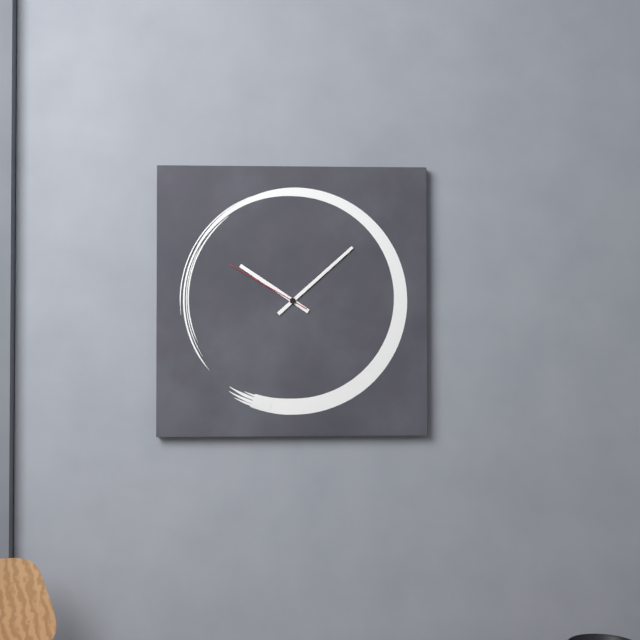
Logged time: 10,08,50
